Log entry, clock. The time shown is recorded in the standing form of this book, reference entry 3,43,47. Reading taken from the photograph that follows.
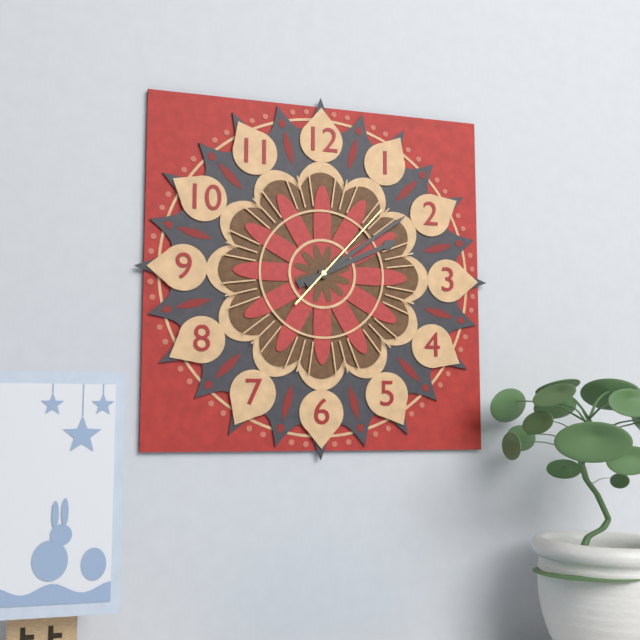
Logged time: 2,09,07
